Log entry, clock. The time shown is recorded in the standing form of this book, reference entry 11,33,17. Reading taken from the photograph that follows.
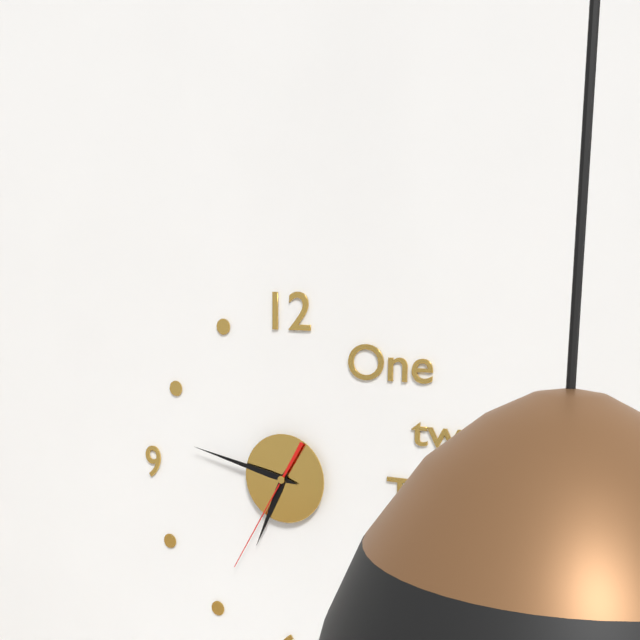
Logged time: 6,47,35
